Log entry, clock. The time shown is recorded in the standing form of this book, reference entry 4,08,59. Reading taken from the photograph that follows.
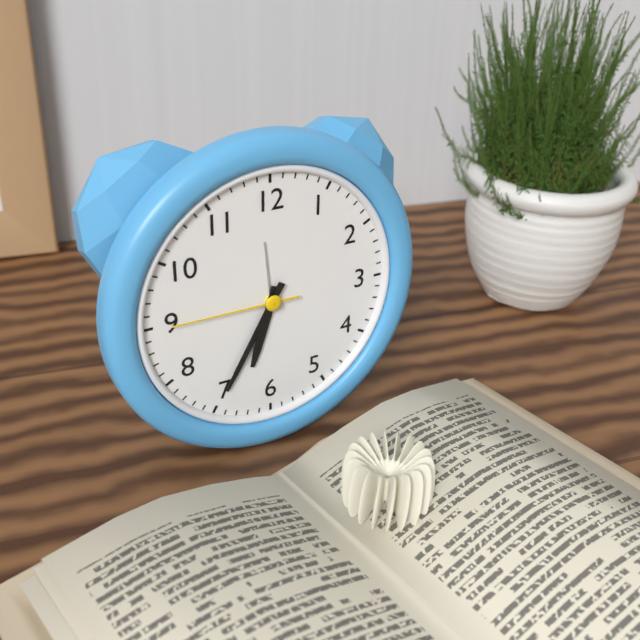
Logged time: 6,35,45
